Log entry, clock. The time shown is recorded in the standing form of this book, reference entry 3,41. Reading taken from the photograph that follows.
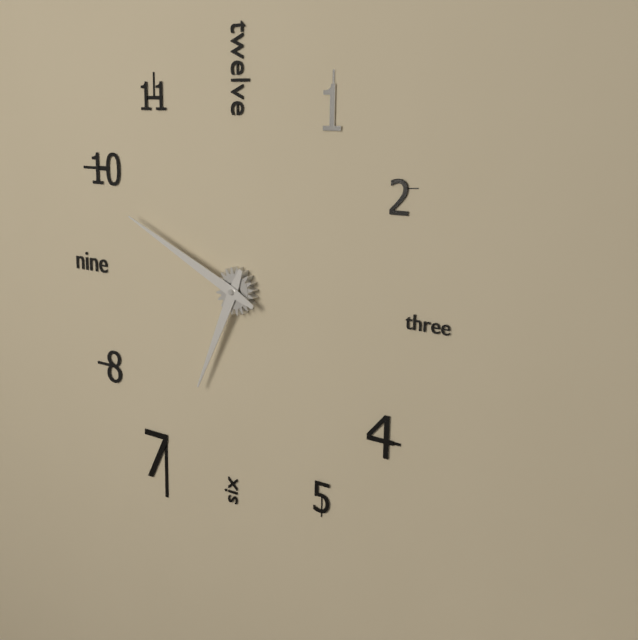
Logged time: 6,49
